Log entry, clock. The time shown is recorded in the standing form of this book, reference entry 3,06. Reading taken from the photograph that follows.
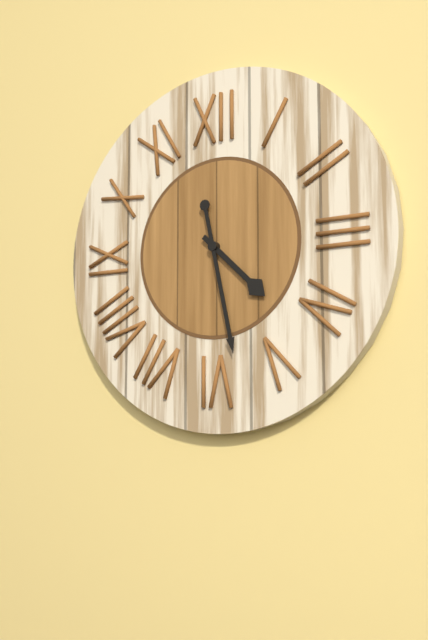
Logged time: 4,28
